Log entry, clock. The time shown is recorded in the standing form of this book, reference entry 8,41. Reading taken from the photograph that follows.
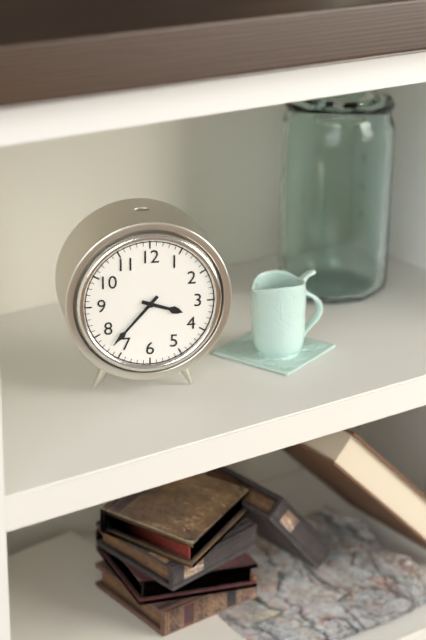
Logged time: 3,37
